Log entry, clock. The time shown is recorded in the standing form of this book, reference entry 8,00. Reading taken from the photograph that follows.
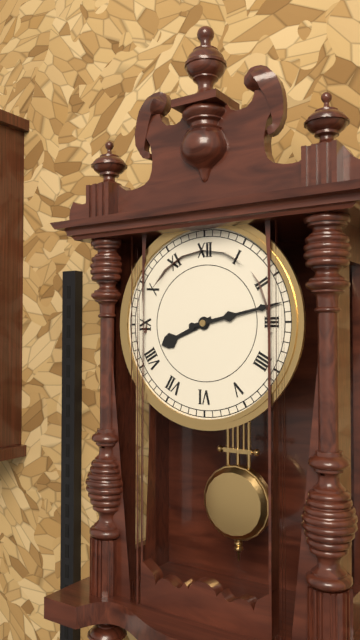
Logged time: 8,13
